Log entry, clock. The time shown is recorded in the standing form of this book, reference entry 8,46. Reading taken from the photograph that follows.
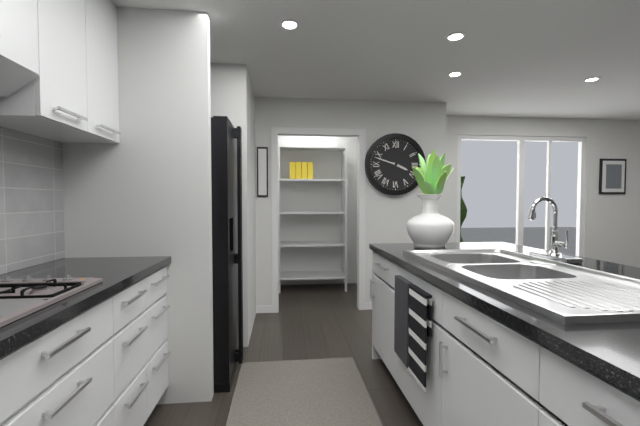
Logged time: 3,48
